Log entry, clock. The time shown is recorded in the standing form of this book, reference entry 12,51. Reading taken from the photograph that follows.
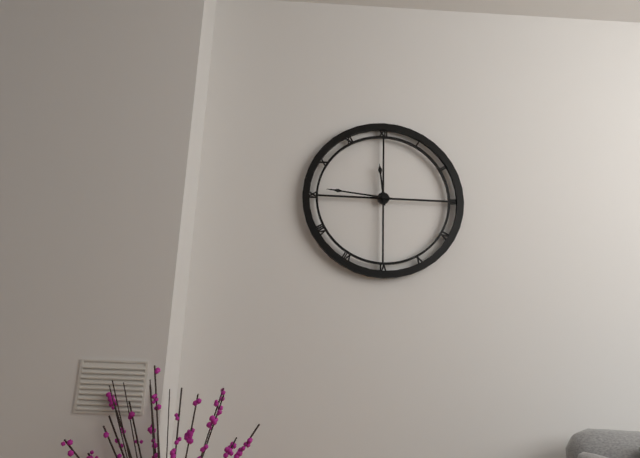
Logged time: 11,46
